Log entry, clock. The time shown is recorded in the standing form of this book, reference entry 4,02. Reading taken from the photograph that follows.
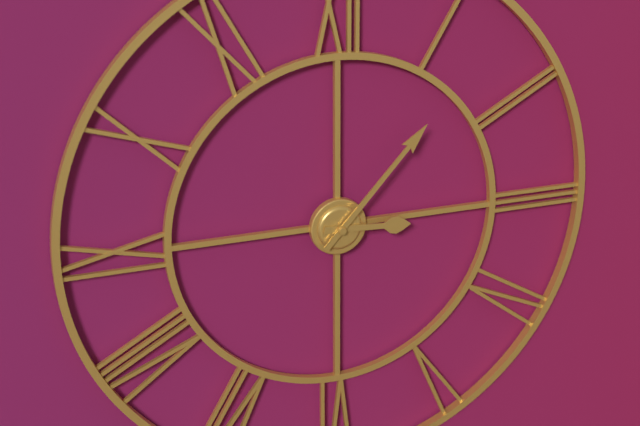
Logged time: 3,07
